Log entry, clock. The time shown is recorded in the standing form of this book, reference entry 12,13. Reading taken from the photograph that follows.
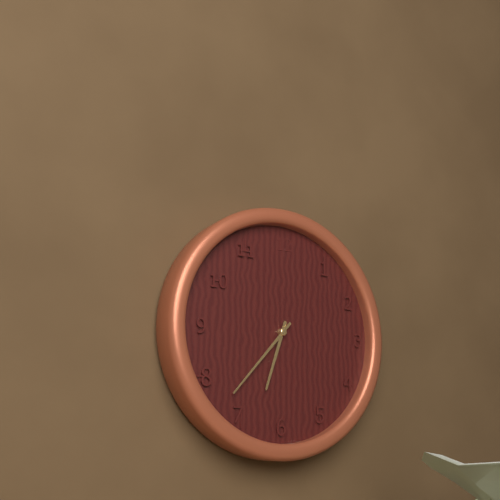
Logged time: 6,37
